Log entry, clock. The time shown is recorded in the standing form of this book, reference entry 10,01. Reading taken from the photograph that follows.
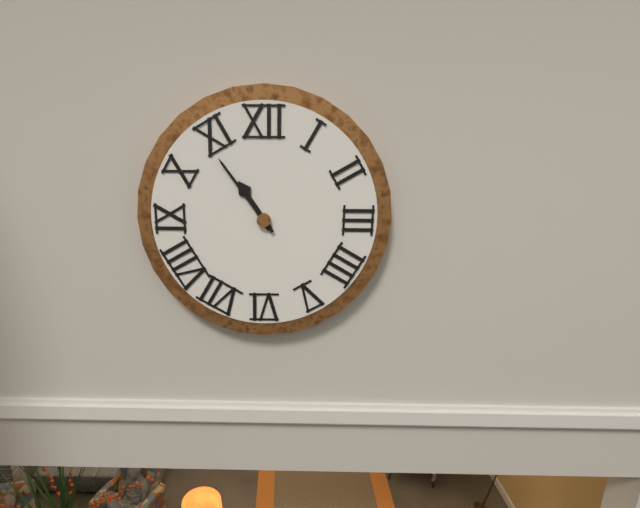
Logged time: 10,54
